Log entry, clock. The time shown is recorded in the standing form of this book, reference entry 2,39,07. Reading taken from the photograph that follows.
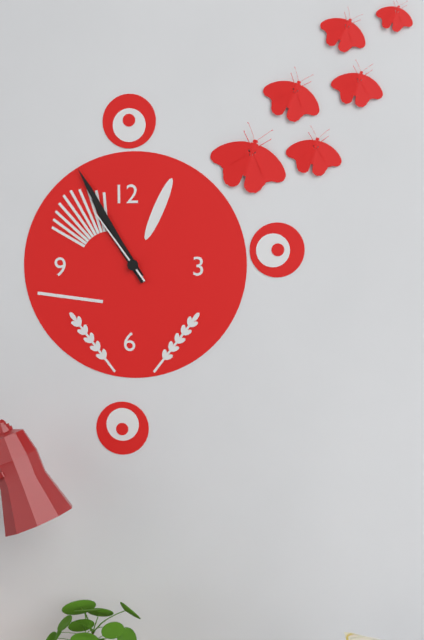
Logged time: 10,55,54
